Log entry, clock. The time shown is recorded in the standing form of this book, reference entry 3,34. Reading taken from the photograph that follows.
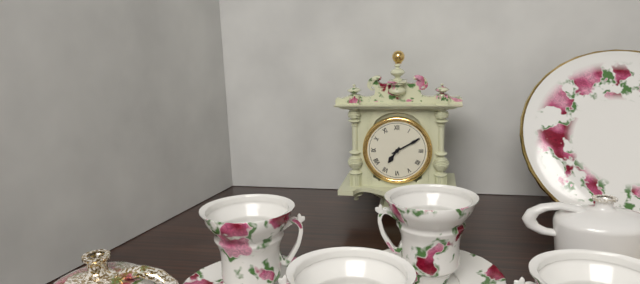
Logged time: 7,10
